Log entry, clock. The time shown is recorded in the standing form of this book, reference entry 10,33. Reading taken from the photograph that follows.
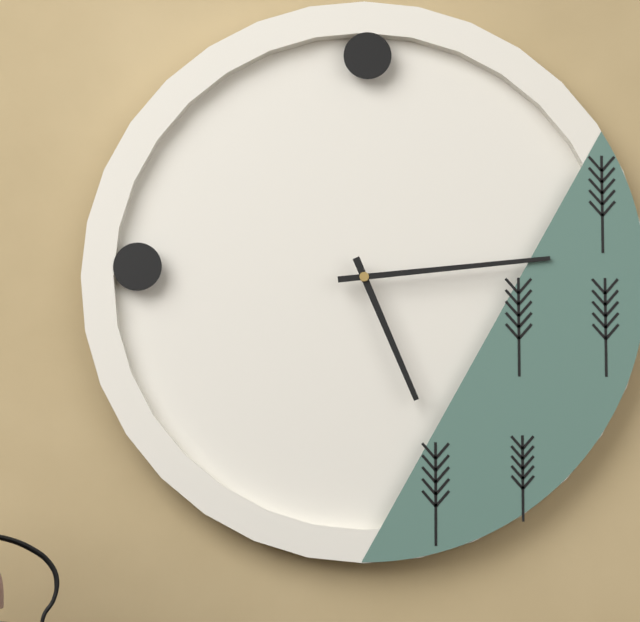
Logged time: 5,14
